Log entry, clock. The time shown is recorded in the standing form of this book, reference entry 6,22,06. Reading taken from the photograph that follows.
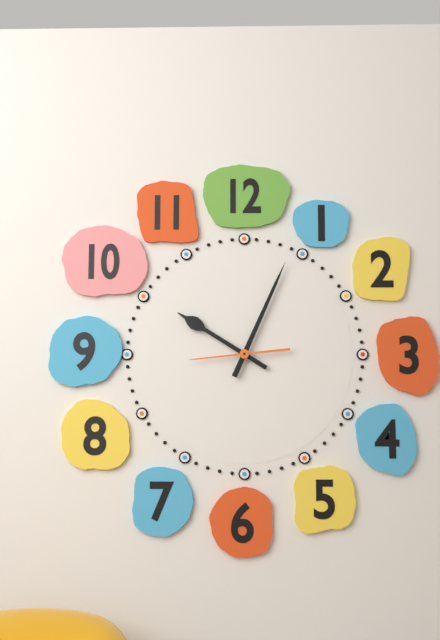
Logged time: 10,04,44
